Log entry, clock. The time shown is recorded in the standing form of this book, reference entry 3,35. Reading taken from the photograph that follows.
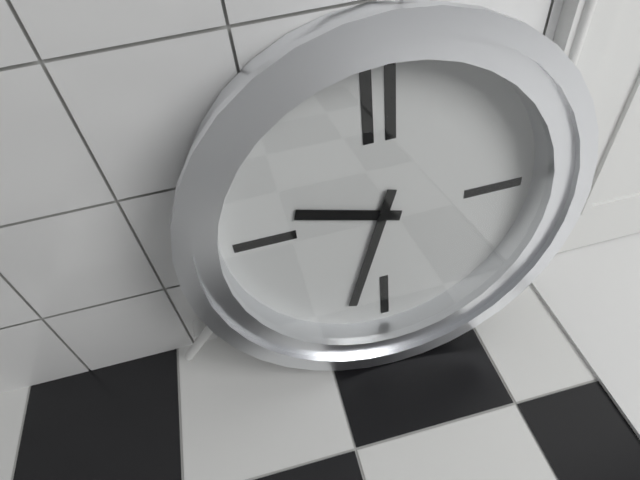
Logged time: 9,33
